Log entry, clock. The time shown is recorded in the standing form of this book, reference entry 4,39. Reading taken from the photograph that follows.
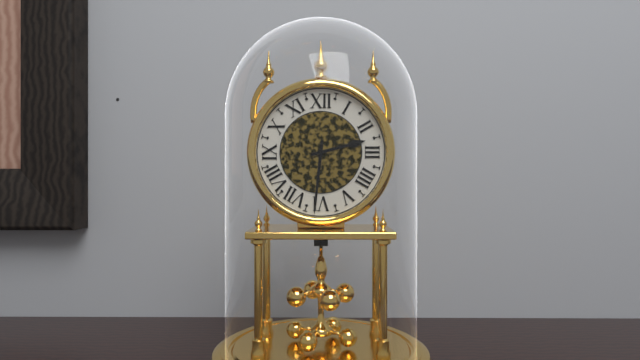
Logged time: 2,31
